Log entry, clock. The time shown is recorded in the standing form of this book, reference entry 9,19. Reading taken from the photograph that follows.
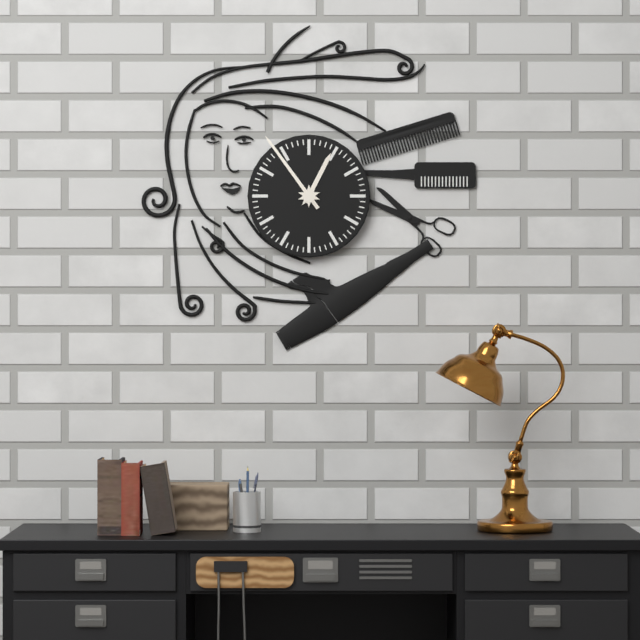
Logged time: 12,54
